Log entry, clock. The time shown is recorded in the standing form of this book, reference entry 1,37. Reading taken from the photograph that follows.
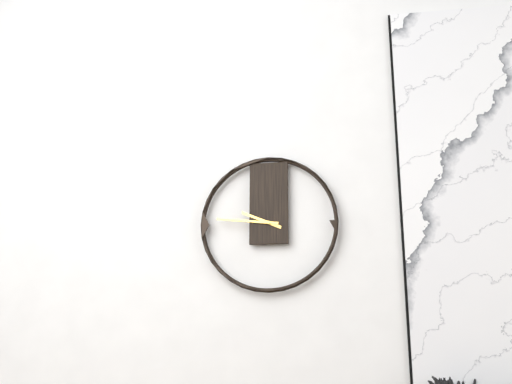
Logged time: 9,46
